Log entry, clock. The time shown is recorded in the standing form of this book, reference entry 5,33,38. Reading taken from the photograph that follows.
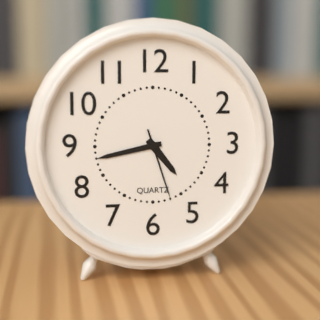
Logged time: 4,43,27
